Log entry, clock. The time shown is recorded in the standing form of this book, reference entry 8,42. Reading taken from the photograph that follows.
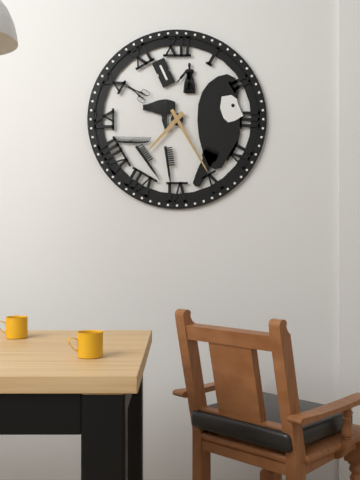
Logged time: 7,25
